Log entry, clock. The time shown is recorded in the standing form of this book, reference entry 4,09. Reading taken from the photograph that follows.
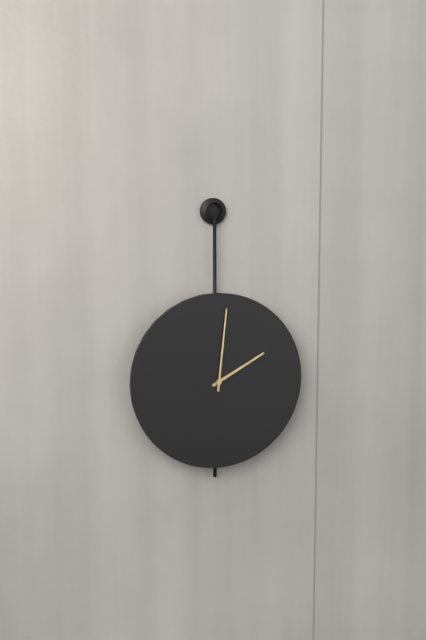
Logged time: 2,01
